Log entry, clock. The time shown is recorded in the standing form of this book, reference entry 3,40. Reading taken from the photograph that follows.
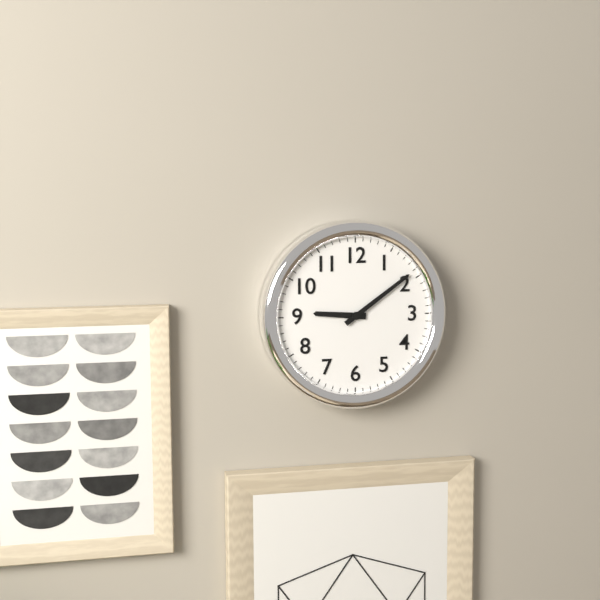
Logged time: 9,09
